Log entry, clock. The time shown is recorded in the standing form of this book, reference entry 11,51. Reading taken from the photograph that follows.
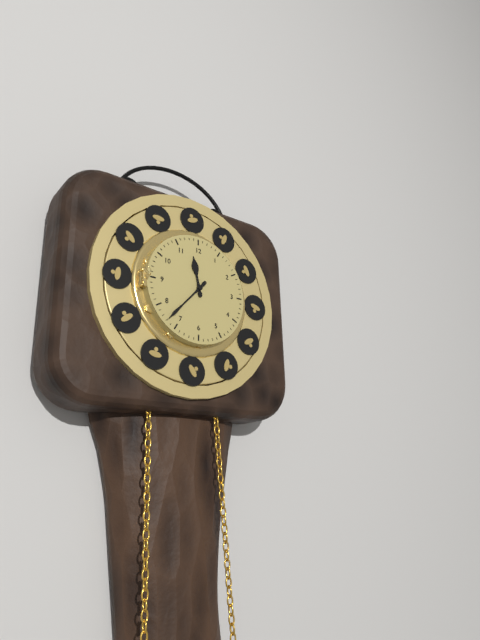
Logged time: 11,37
